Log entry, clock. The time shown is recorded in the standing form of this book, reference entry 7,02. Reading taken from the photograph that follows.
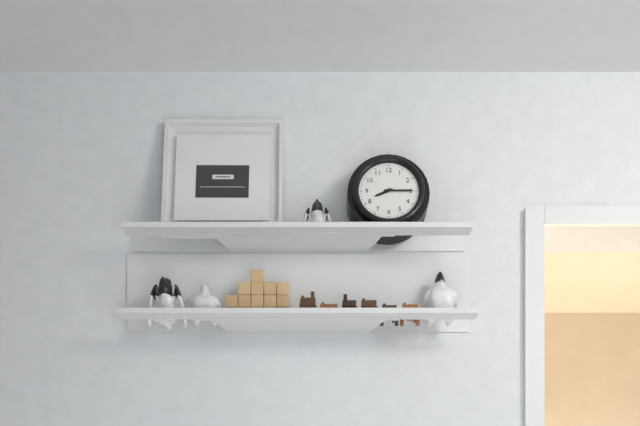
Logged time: 8,15
